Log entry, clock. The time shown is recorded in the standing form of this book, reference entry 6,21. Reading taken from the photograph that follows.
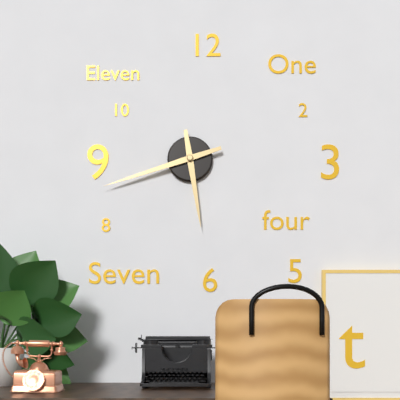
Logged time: 5,42
